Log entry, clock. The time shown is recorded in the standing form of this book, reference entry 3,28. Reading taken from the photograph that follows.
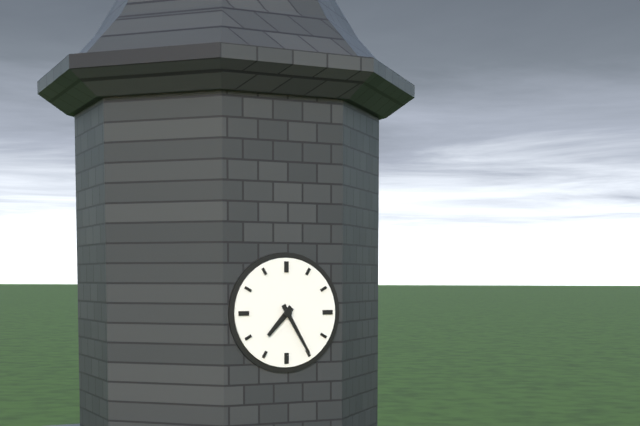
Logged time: 7,25
